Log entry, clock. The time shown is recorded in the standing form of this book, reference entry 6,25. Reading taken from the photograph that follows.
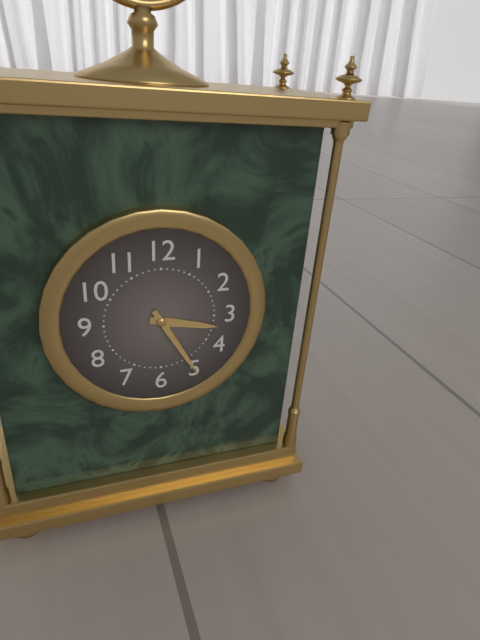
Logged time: 3,25
